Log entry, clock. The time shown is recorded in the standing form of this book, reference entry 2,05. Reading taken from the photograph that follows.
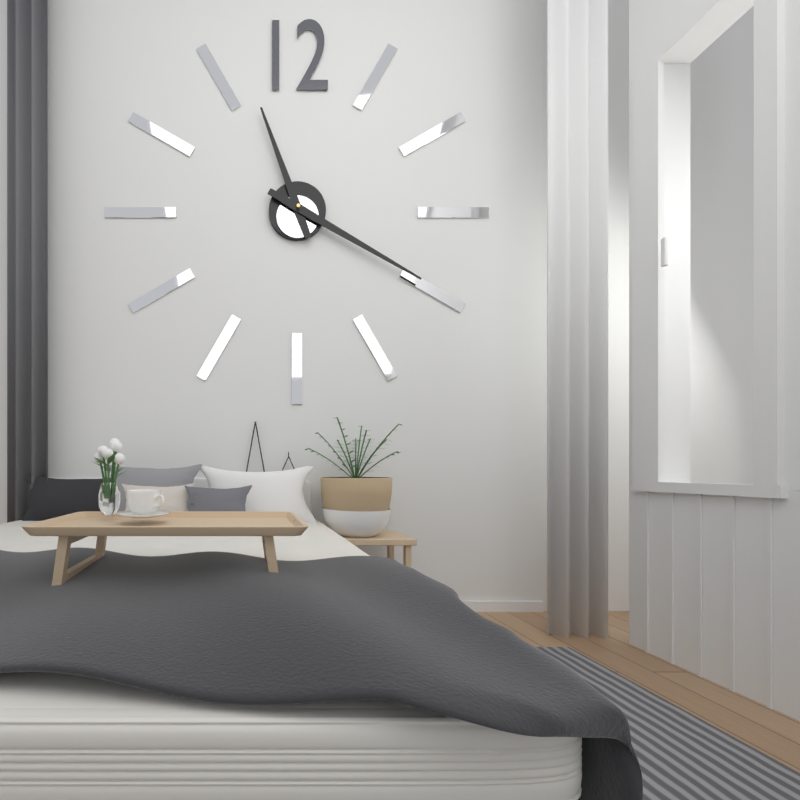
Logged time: 11,20
